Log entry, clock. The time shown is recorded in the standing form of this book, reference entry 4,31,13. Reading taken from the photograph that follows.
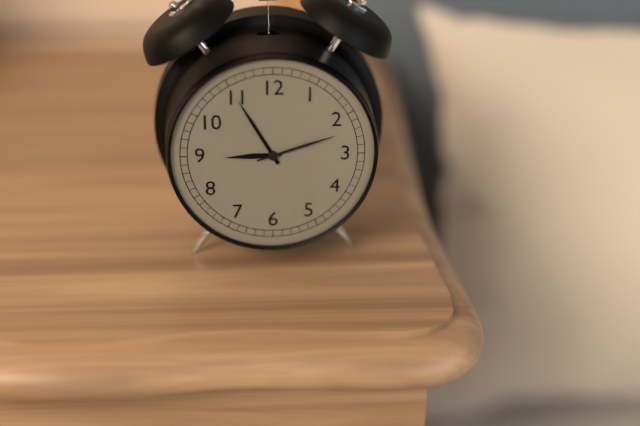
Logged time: 8,55,12
